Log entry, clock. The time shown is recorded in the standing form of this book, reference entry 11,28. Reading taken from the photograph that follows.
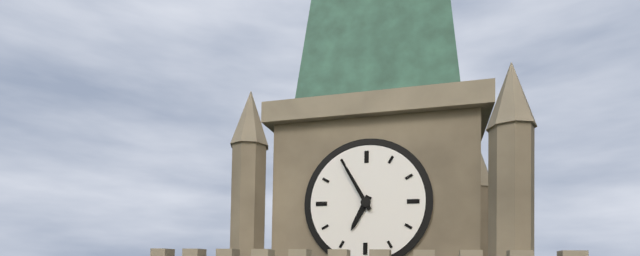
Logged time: 6,55
